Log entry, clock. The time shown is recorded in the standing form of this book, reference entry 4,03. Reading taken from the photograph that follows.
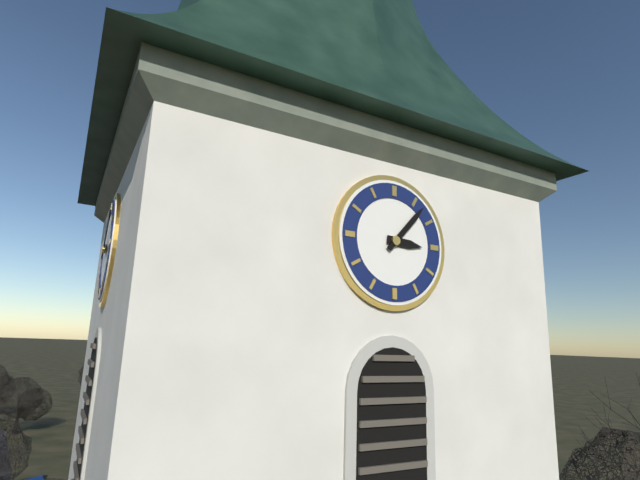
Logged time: 3,07
